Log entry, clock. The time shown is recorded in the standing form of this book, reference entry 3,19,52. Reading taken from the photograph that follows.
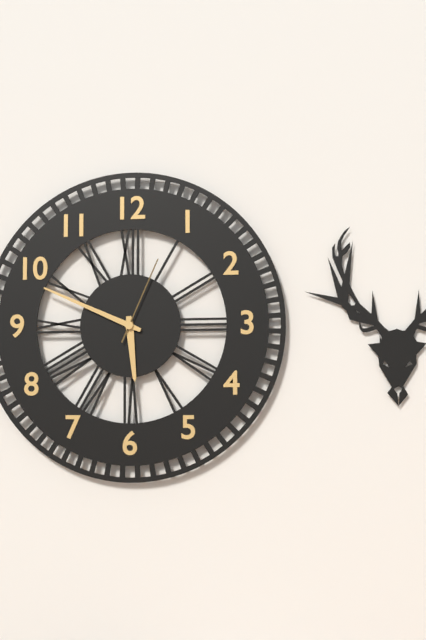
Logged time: 5,49,04
